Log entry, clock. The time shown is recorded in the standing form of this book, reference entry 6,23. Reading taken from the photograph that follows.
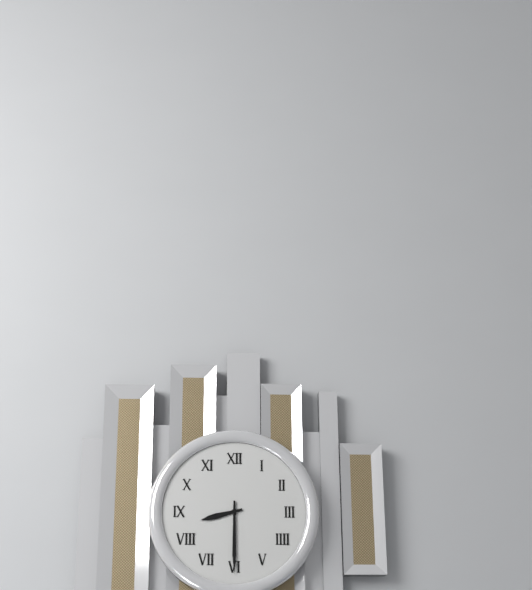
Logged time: 8,30
